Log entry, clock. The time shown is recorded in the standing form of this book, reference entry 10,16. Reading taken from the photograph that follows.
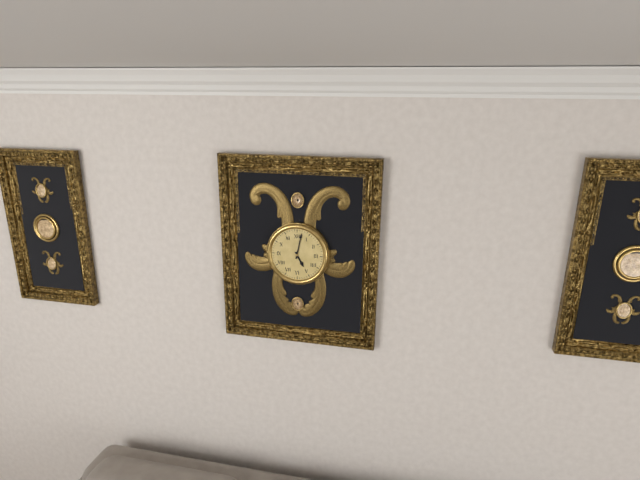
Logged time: 5,02
